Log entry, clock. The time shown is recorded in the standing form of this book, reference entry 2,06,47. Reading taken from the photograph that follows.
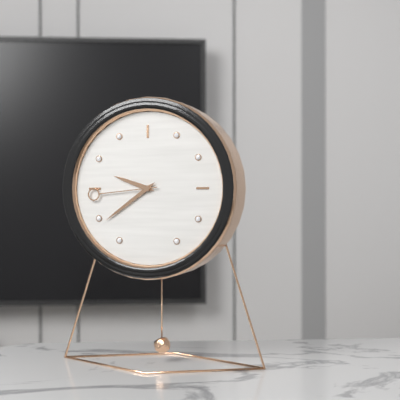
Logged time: 9,39,44
